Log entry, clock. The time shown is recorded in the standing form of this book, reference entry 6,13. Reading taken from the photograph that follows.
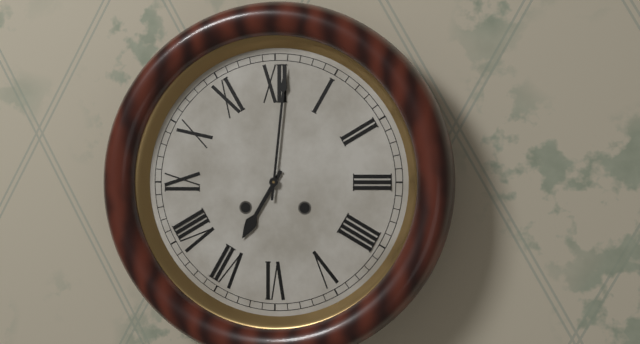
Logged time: 7,01
